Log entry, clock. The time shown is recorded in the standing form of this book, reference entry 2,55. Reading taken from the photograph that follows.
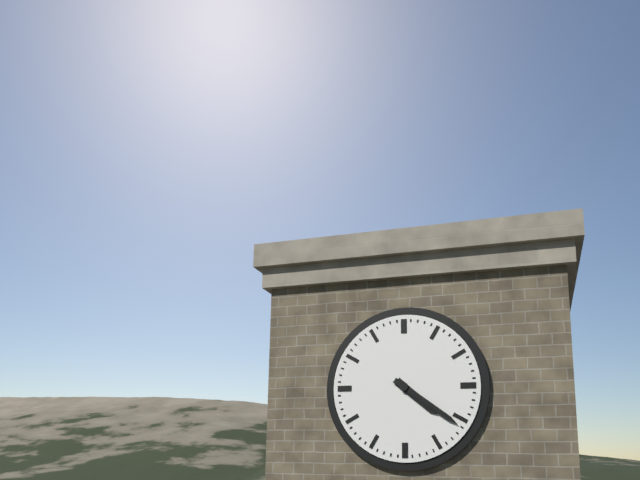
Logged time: 4,21
